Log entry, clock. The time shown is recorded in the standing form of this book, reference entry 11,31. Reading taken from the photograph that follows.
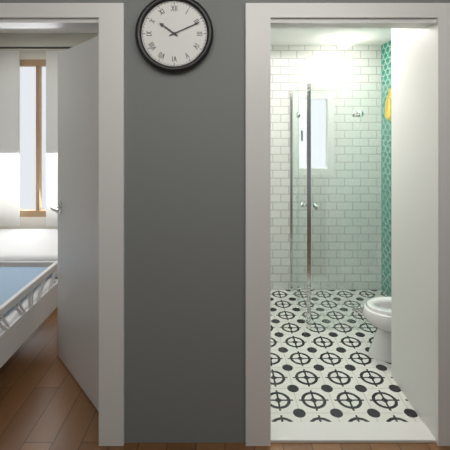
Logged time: 10,11
